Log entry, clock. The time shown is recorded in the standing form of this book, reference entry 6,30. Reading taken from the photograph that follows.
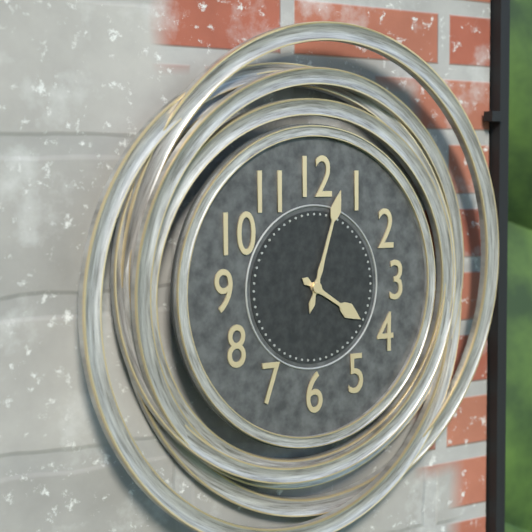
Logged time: 4,03
